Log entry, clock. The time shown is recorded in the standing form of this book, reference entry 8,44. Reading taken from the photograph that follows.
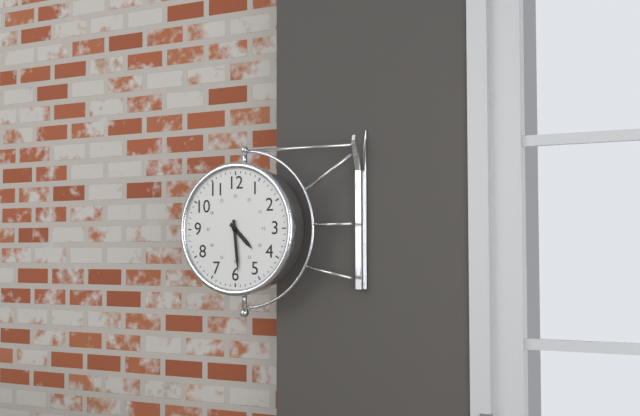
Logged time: 4,29
